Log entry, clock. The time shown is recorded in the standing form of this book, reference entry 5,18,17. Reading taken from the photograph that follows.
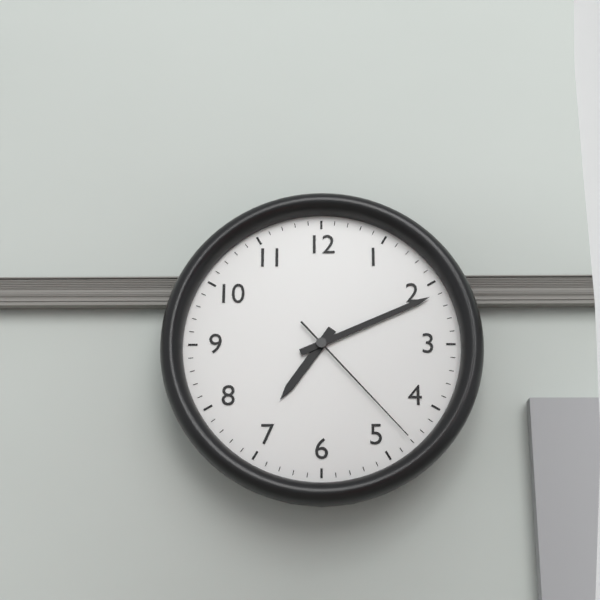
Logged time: 7,11,23
